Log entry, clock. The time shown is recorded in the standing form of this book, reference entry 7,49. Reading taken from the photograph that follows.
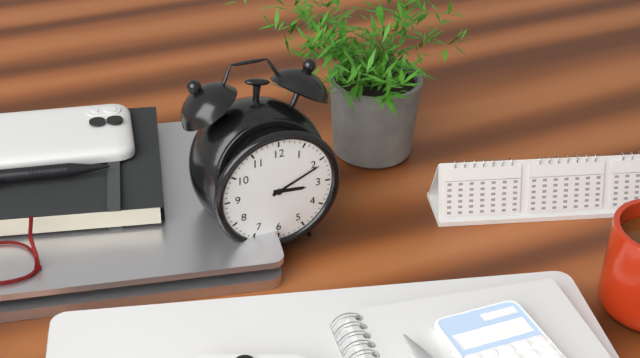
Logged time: 3,11
